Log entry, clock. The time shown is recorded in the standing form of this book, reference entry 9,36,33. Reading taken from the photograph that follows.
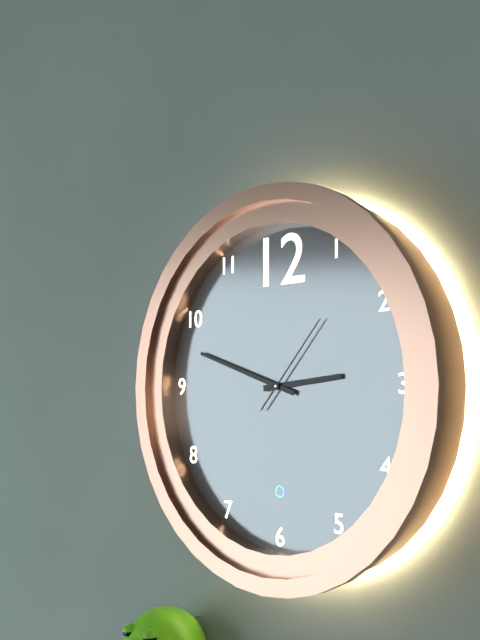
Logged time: 2,48,07
